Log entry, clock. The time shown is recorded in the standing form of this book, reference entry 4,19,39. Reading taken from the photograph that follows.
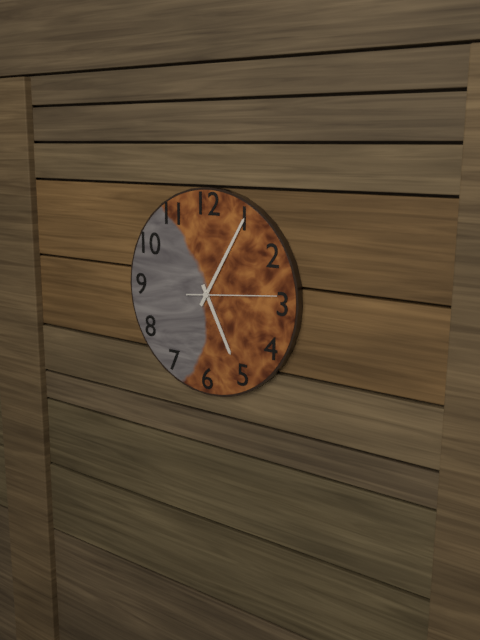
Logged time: 5,05,14
